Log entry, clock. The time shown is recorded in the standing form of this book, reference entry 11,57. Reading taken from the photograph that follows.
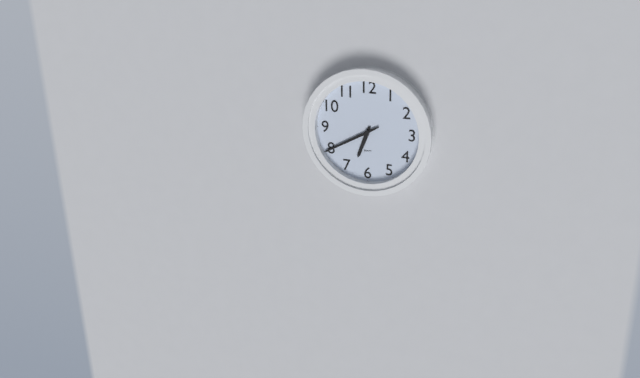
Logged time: 6,40
